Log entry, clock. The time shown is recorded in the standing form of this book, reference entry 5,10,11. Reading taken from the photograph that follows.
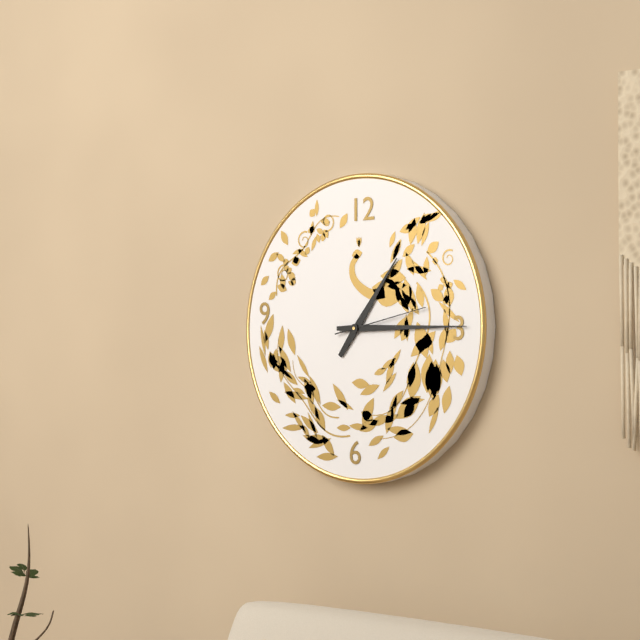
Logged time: 1,15,13
